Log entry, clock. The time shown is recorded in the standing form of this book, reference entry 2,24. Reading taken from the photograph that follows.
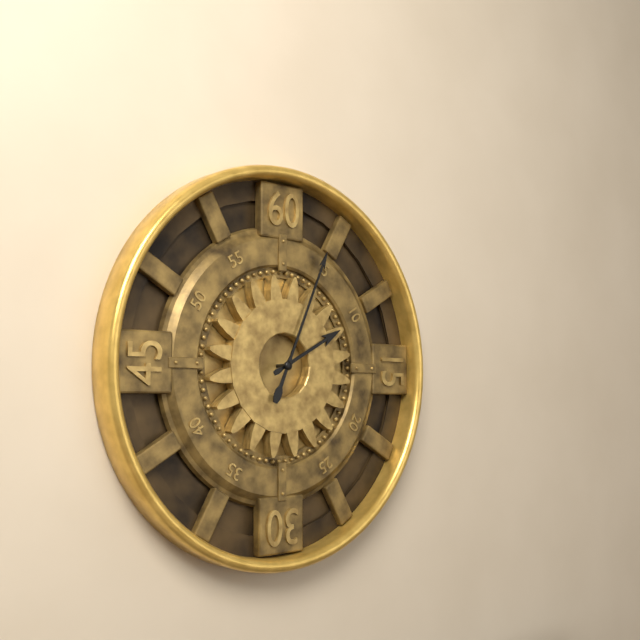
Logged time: 2,04
